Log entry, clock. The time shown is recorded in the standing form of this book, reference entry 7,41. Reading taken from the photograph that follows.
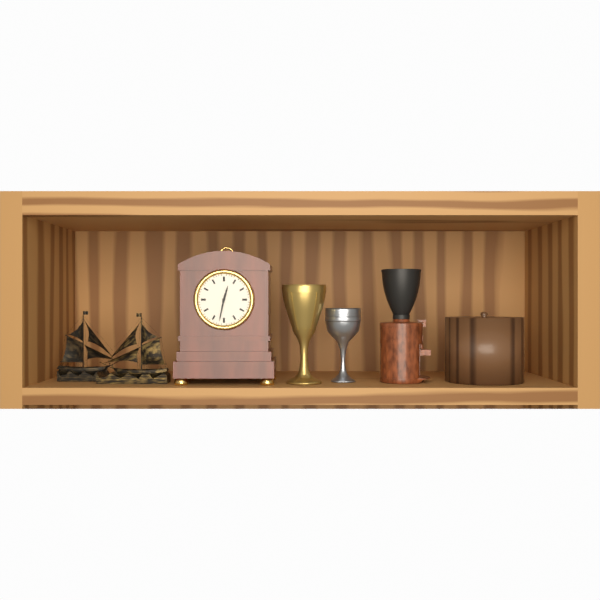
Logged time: 12,32
